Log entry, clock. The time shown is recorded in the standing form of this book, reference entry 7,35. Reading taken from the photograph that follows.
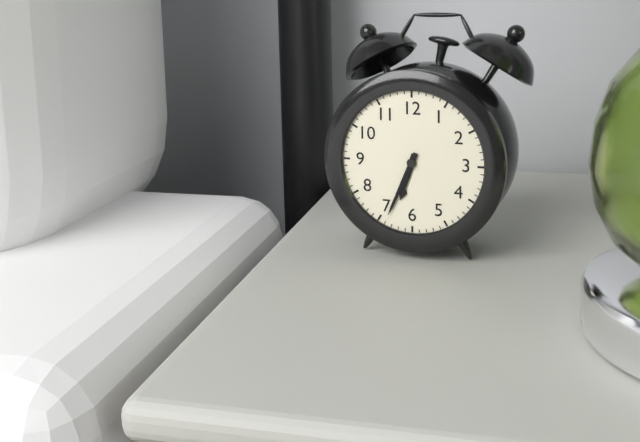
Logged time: 6,34
